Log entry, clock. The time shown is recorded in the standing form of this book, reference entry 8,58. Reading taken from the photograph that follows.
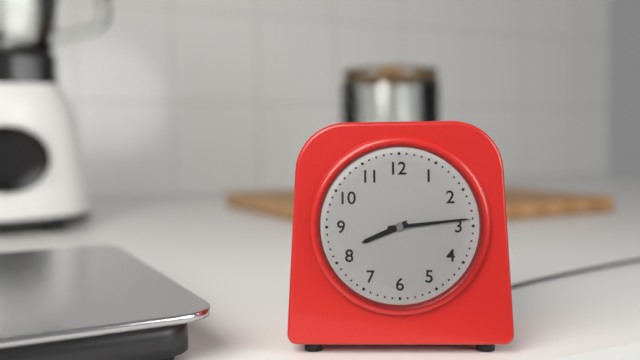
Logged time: 8,14
